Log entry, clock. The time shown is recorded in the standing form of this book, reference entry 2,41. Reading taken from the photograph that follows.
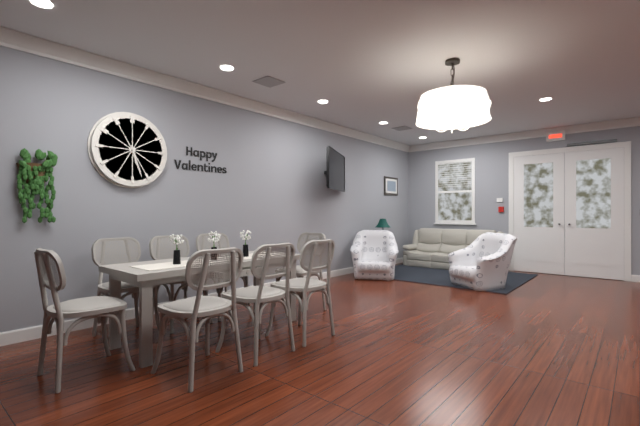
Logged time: 5,27
